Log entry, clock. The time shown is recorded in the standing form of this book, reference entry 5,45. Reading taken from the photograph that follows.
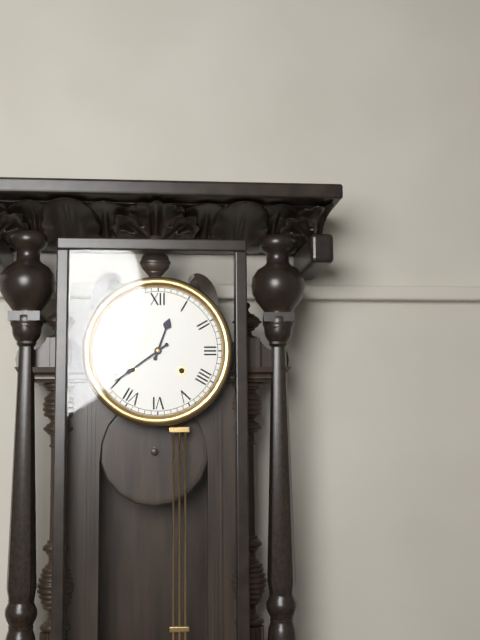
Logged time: 12,39
